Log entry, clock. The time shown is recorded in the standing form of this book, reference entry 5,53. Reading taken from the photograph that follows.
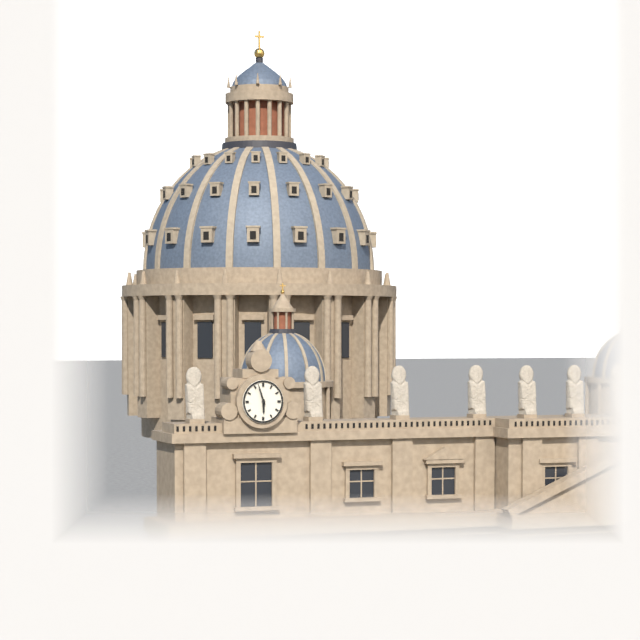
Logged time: 5,57
